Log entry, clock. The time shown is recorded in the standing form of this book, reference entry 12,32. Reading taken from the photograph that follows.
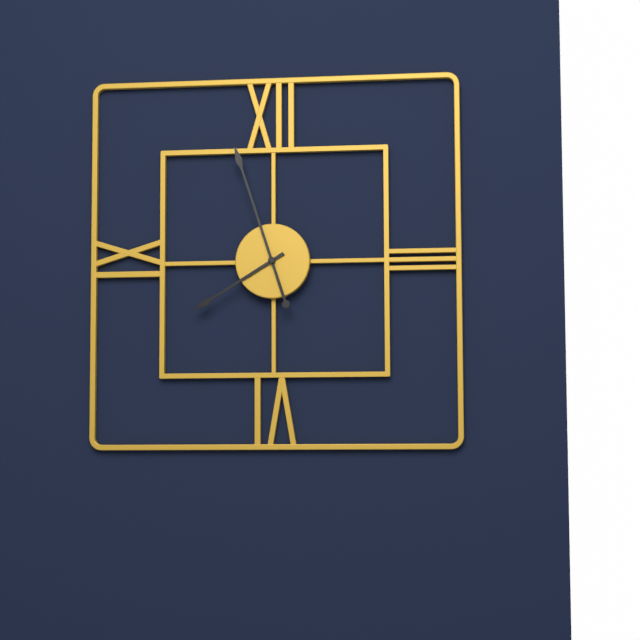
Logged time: 7,57
